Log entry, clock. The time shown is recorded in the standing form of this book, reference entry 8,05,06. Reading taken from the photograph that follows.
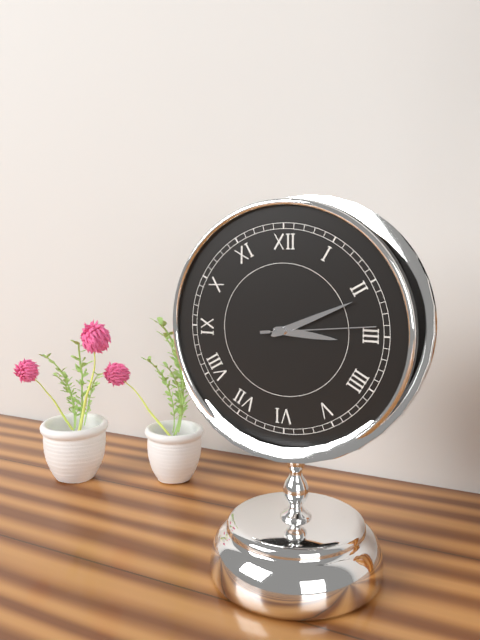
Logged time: 3,11,14
